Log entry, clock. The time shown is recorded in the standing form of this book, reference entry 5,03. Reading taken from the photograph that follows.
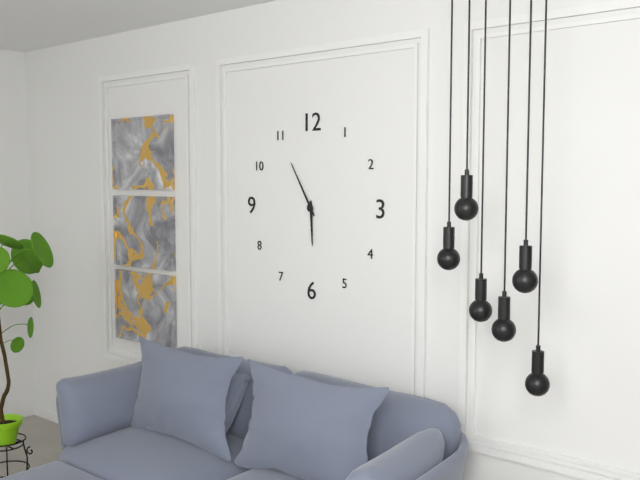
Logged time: 5,55
